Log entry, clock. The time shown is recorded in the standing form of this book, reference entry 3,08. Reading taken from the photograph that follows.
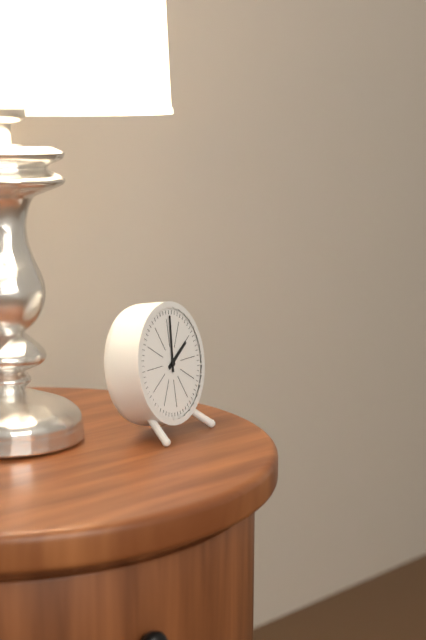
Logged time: 2,01
